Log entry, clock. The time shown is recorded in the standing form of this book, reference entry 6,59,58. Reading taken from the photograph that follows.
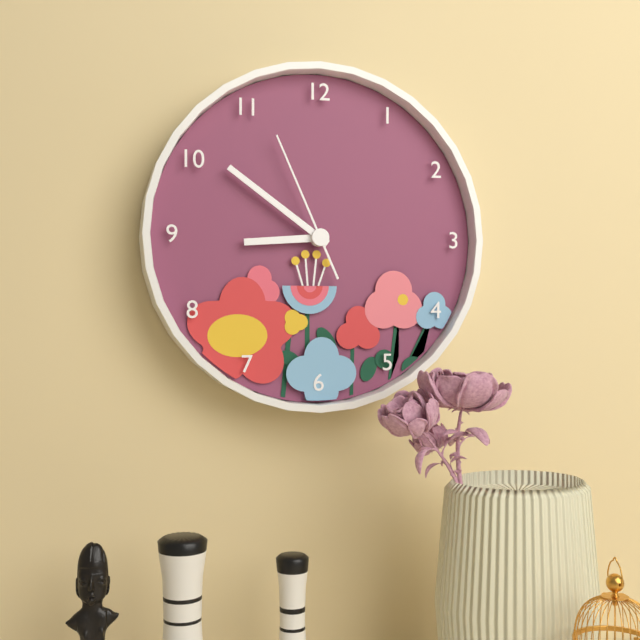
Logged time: 8,51,56
